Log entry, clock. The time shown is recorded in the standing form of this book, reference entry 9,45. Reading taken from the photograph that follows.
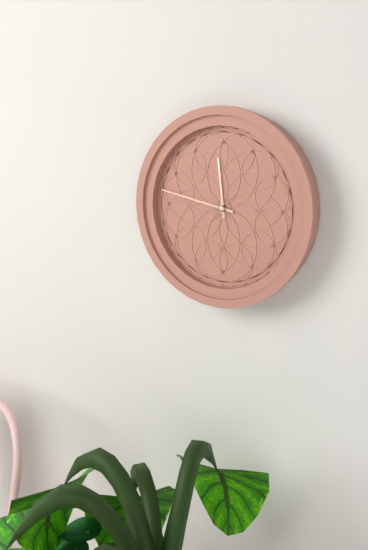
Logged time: 11,47
